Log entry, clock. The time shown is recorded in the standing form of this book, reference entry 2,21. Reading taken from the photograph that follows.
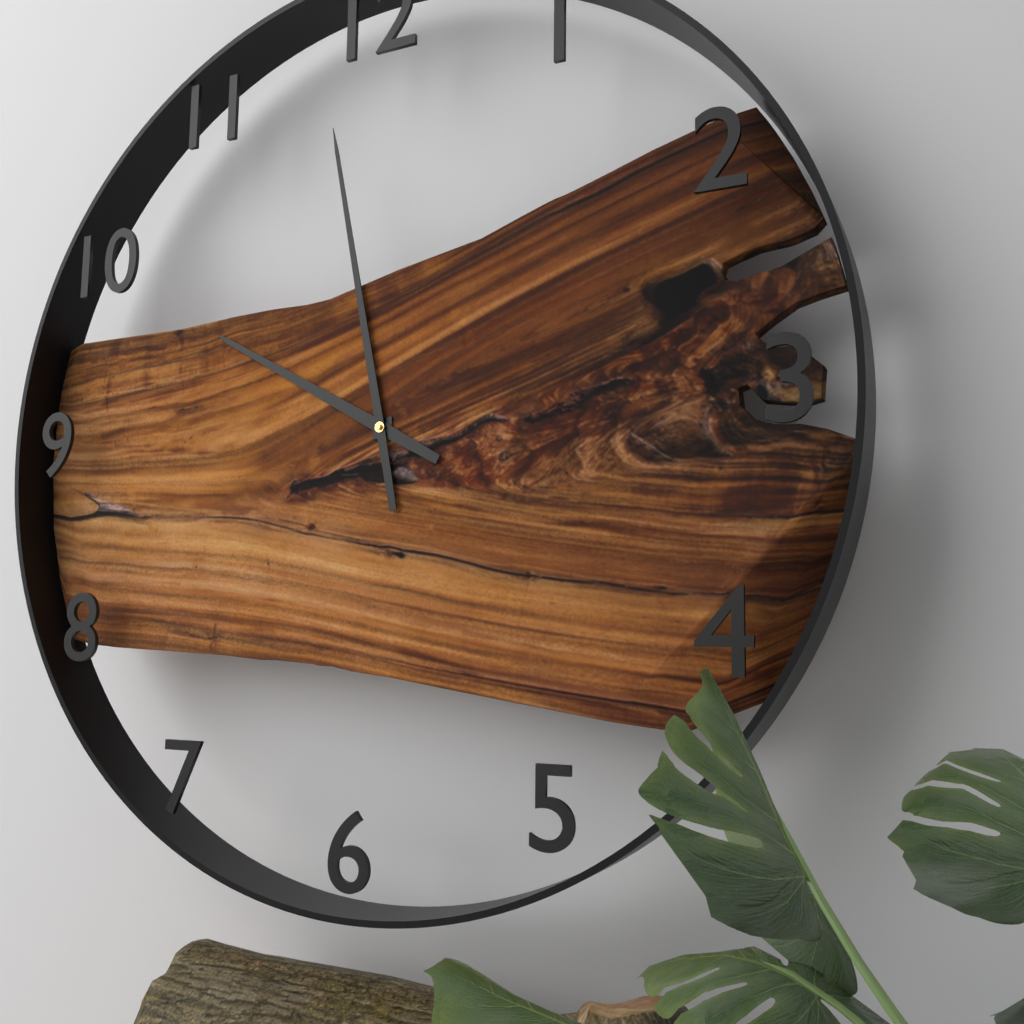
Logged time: 9,58
